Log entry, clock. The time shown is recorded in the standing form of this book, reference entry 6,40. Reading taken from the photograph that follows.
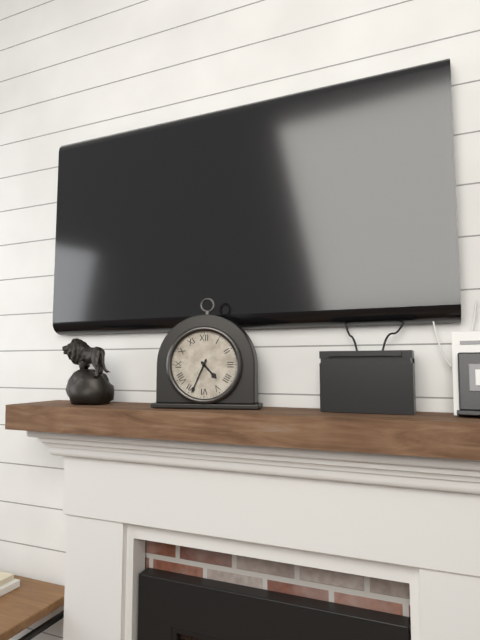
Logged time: 4,34
